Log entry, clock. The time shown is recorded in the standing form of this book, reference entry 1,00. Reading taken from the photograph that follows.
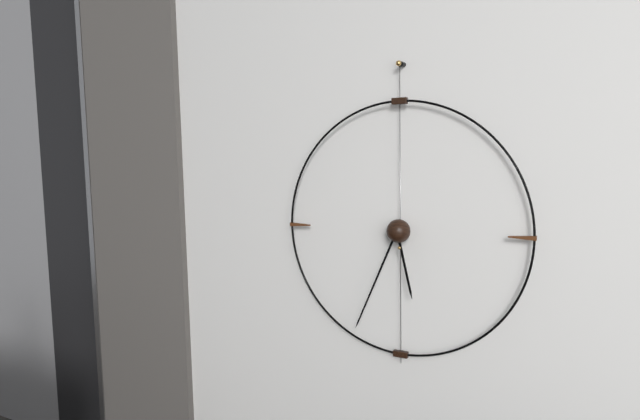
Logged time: 5,34
